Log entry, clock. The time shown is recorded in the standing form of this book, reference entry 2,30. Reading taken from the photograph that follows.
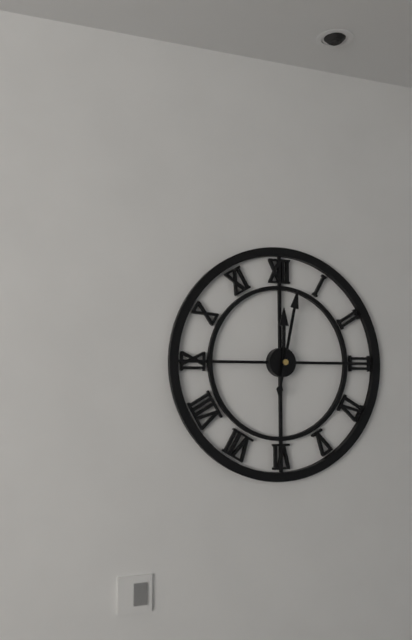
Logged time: 12,02
